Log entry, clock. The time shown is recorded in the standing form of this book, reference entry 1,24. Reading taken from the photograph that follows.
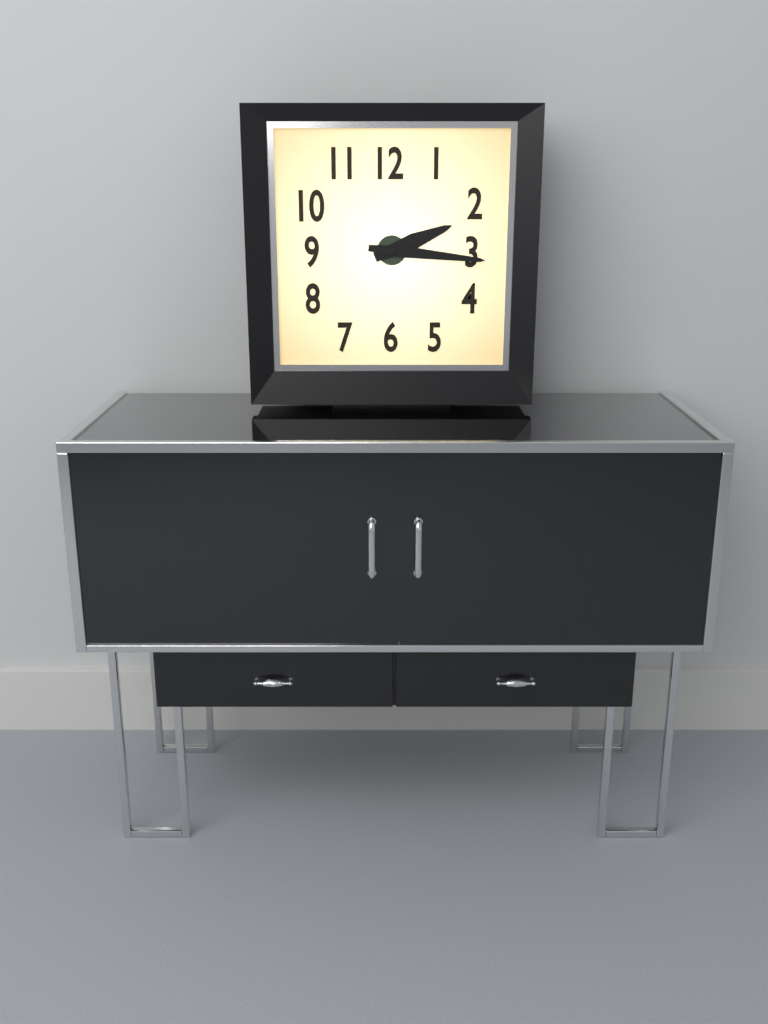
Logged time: 2,16
